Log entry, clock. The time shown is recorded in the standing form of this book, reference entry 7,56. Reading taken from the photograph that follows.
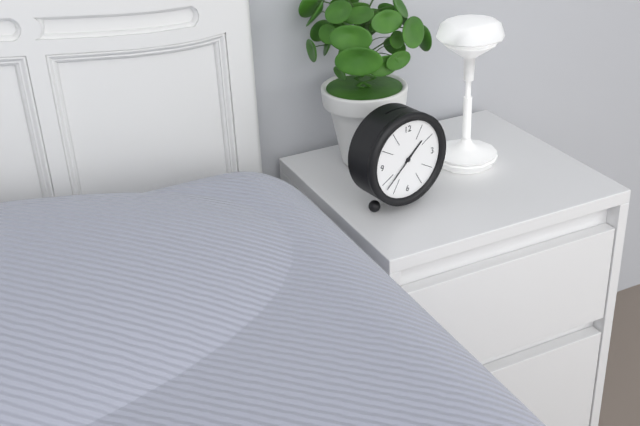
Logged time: 1,38
